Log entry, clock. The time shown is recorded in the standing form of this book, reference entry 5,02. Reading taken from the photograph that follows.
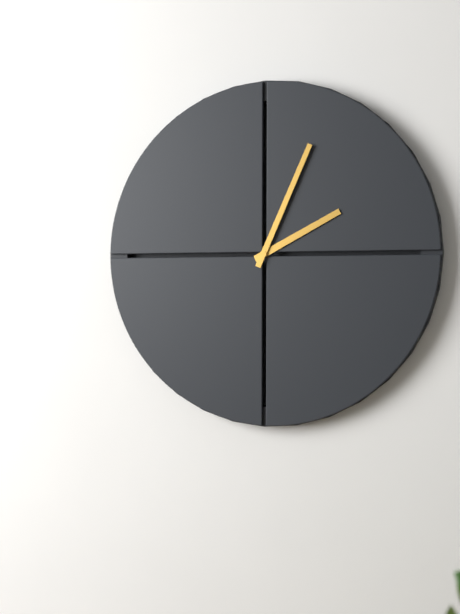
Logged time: 2,04
